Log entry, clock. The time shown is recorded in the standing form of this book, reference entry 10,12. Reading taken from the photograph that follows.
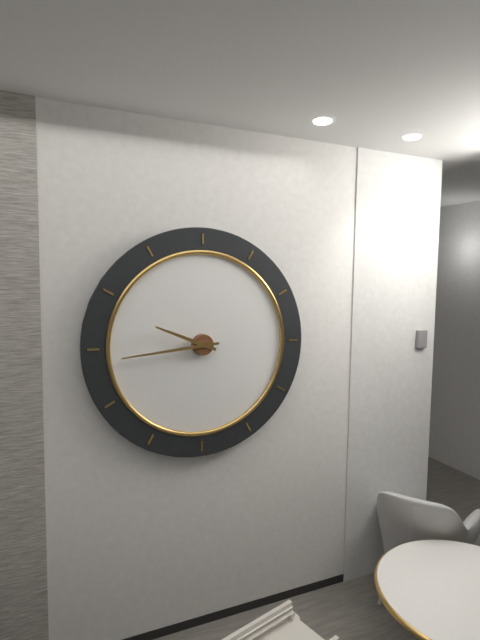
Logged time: 9,44
